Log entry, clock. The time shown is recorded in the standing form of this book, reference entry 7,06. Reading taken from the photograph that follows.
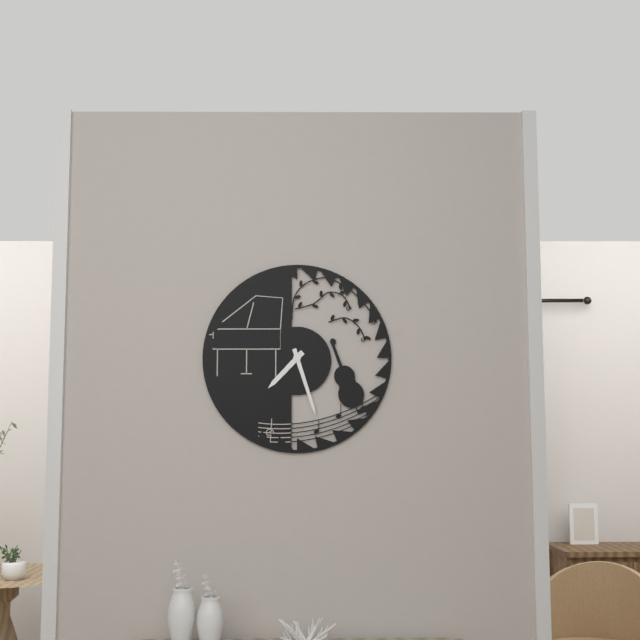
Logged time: 7,27
